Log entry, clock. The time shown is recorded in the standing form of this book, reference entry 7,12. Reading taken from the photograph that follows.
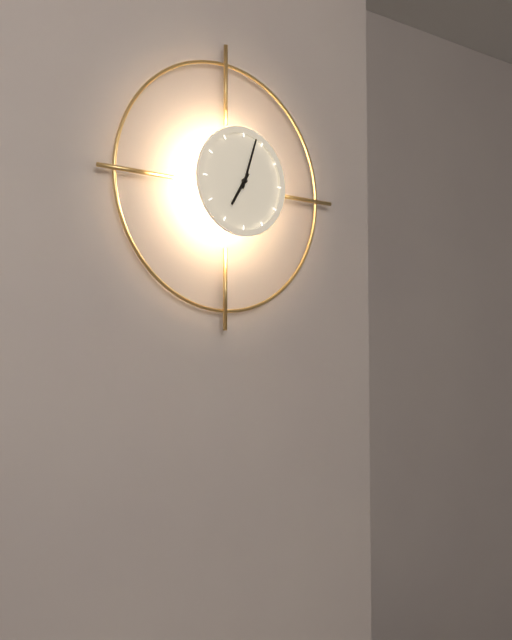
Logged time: 7,03
